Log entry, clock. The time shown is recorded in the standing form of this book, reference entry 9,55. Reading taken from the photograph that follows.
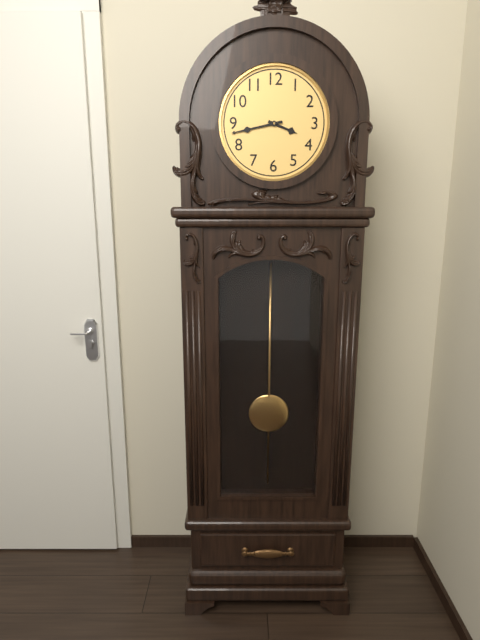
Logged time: 3,43
